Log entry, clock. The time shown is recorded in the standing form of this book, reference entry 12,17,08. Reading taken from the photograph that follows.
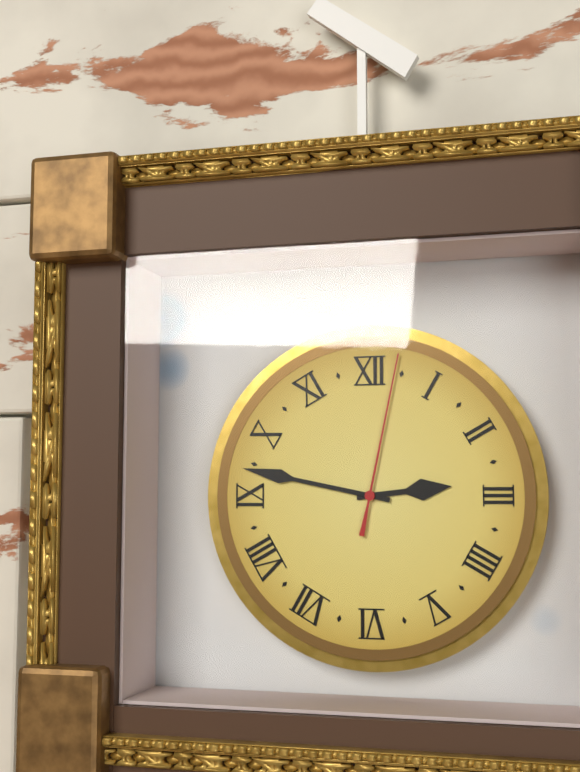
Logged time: 2,47,02
